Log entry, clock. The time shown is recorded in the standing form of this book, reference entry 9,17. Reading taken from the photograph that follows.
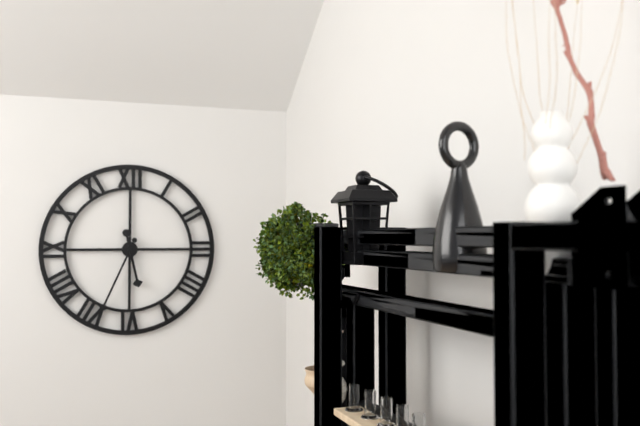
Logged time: 5,34
